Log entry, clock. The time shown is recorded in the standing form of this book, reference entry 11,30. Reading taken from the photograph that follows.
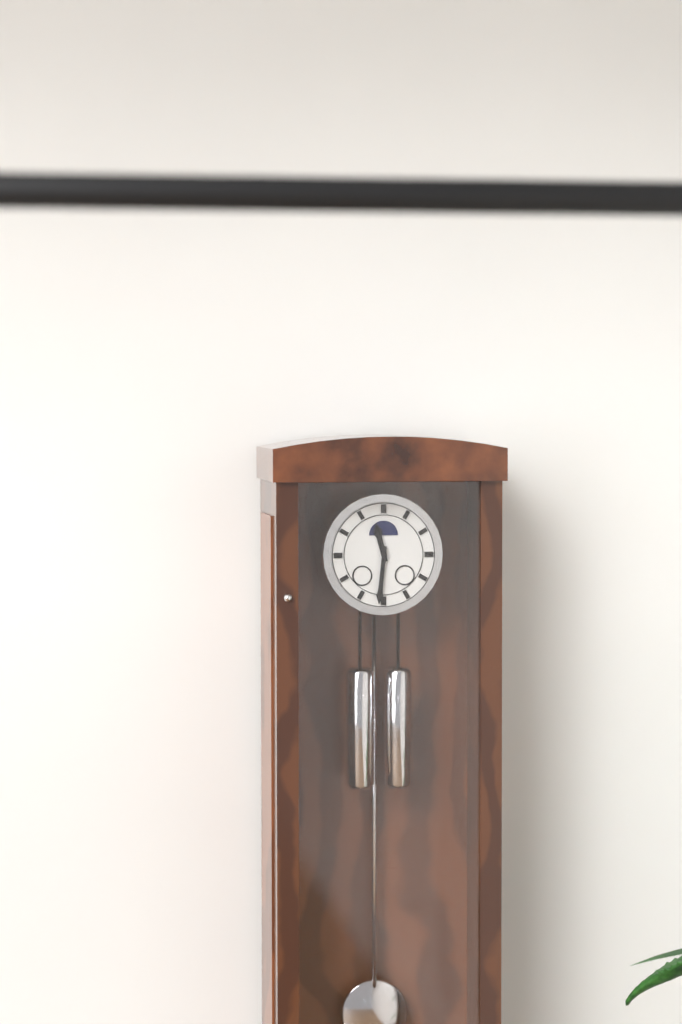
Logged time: 11,31
